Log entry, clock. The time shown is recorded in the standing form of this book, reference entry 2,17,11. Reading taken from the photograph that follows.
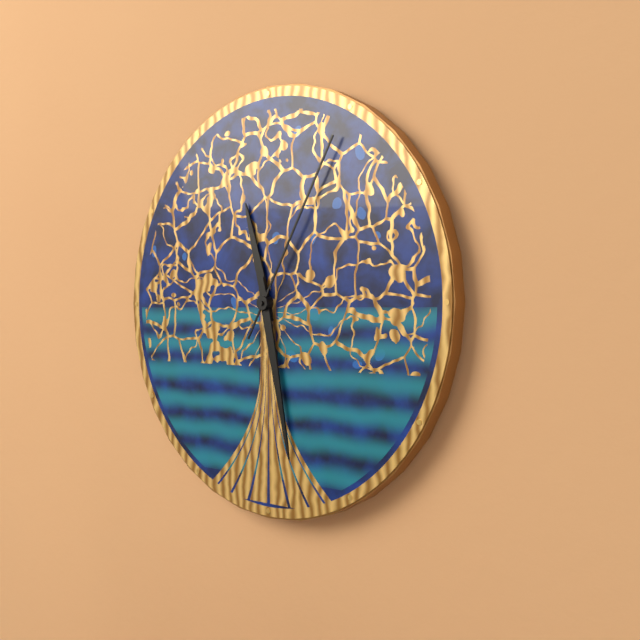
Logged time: 11,28,05
